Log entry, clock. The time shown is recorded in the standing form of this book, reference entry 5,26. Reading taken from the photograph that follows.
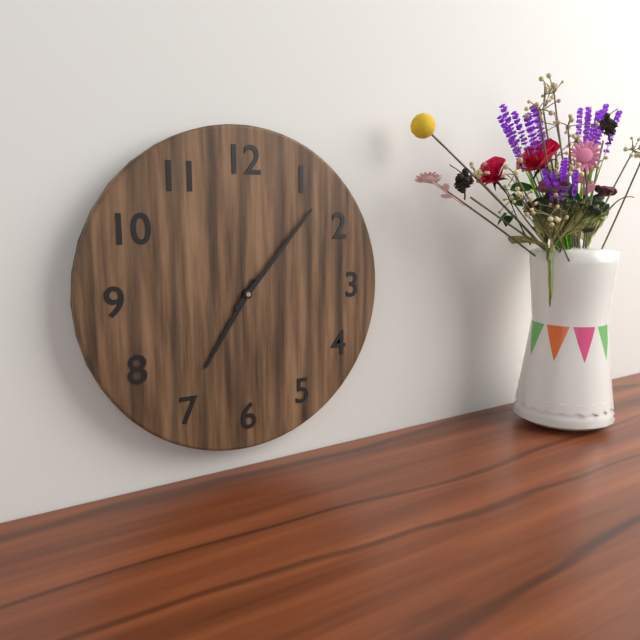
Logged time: 7,07
